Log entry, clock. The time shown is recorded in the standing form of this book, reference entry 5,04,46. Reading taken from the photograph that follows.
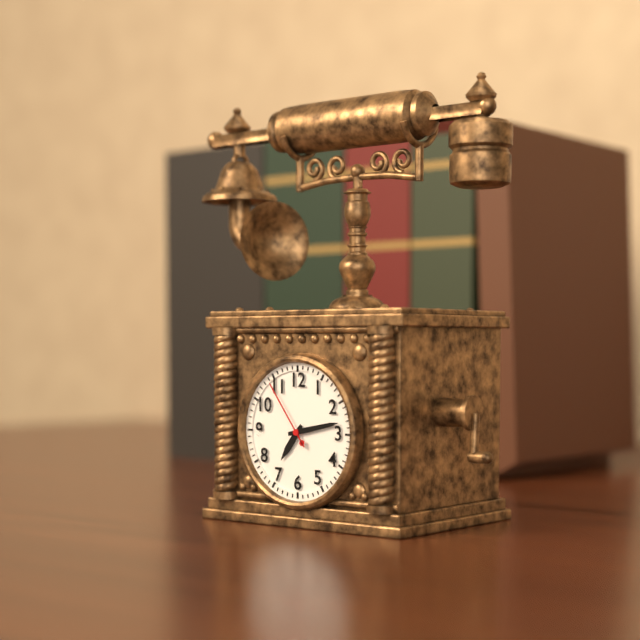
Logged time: 7,13,54
